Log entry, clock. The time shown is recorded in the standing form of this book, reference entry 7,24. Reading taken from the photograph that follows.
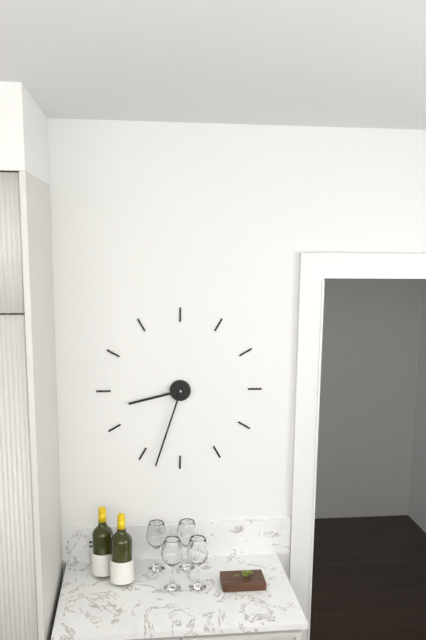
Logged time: 8,33
